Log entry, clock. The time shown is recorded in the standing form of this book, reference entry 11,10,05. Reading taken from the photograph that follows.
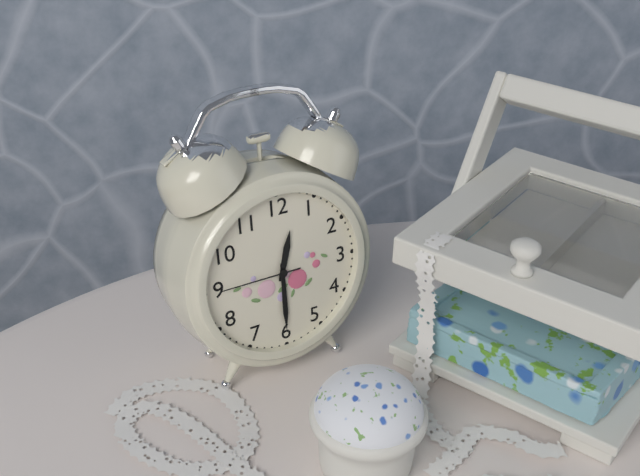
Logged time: 12,30,45
